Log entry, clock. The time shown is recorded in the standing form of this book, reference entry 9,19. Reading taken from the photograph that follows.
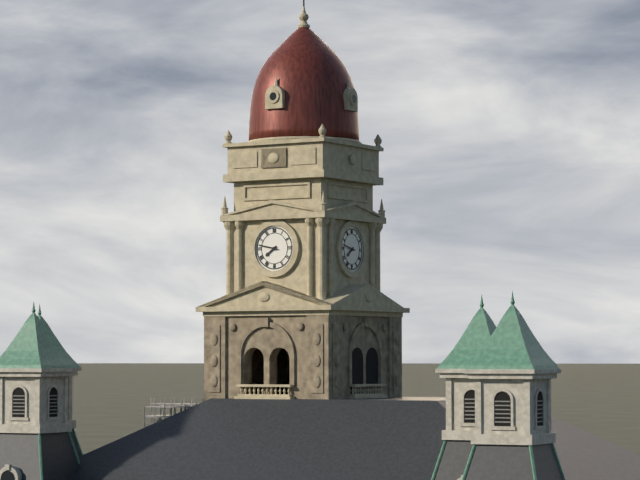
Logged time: 7,47
